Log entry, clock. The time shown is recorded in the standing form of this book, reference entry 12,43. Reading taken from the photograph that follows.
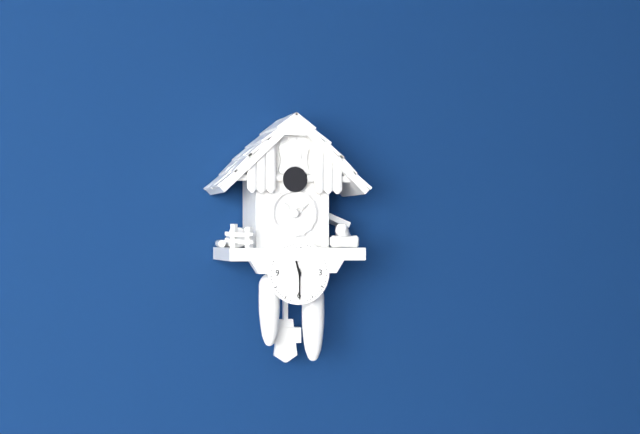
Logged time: 11,30
